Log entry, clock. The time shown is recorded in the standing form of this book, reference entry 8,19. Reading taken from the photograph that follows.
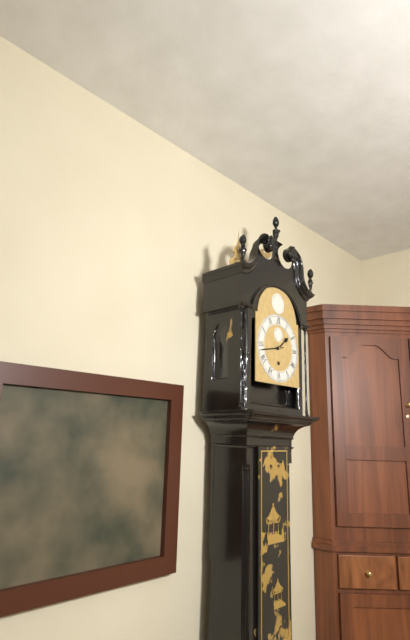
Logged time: 1,43
